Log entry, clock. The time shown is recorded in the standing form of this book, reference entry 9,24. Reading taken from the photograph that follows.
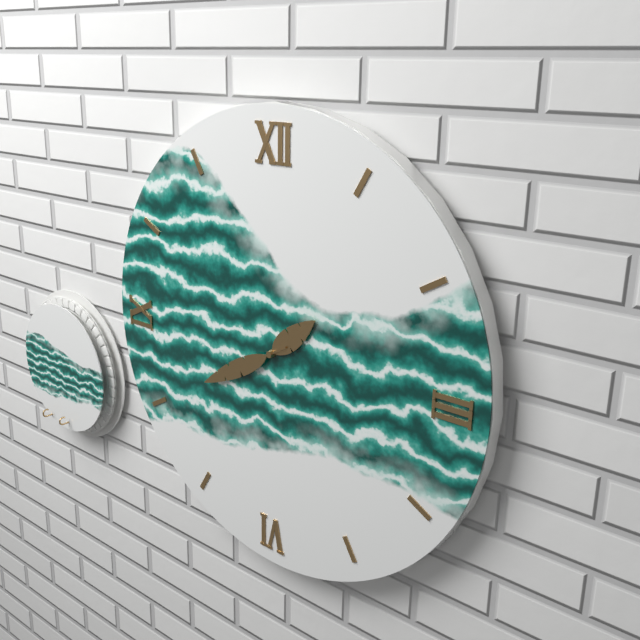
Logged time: 1,40
